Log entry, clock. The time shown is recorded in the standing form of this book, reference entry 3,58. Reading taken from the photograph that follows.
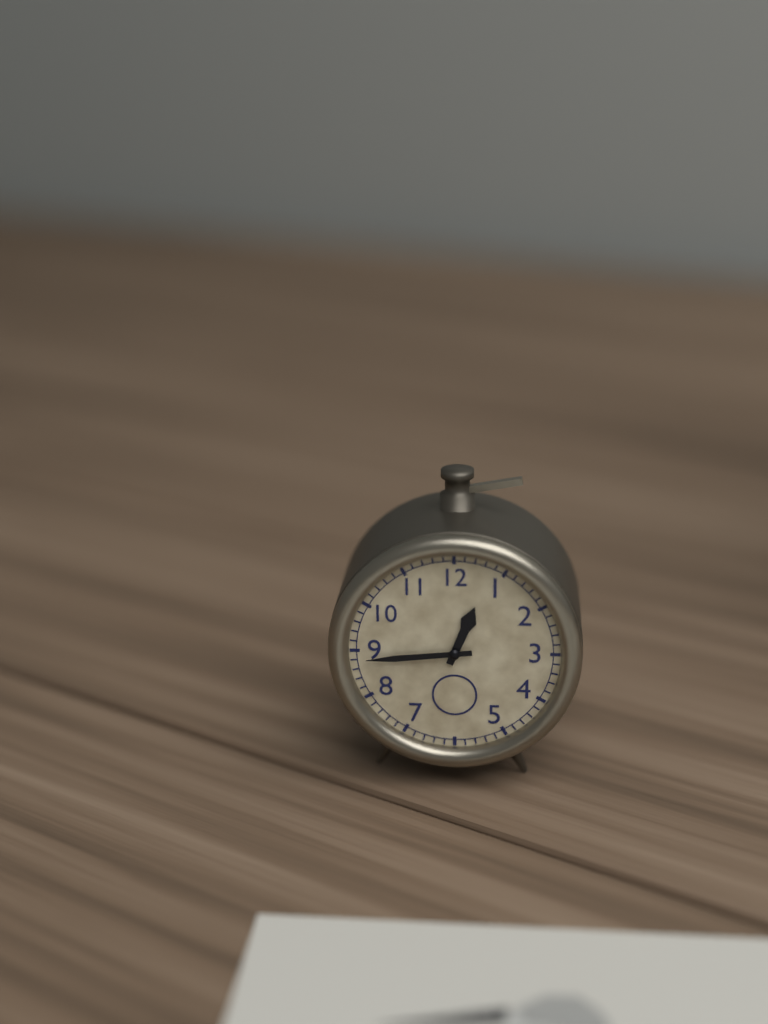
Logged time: 12,44
